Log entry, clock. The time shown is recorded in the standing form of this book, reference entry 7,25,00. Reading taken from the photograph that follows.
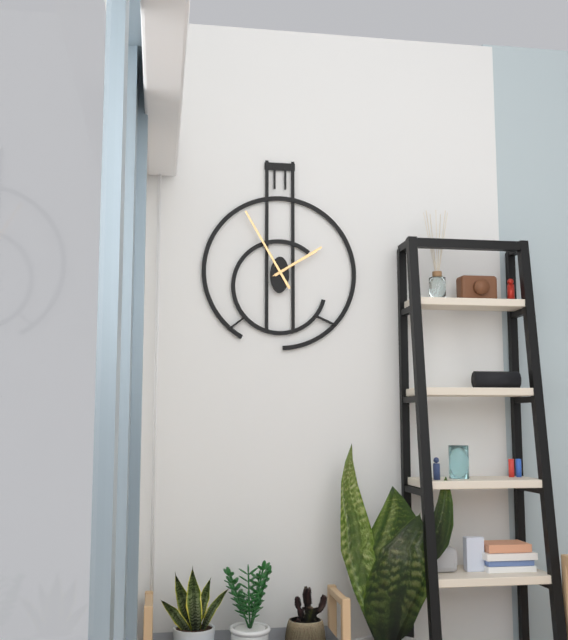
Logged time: 1,55,10
